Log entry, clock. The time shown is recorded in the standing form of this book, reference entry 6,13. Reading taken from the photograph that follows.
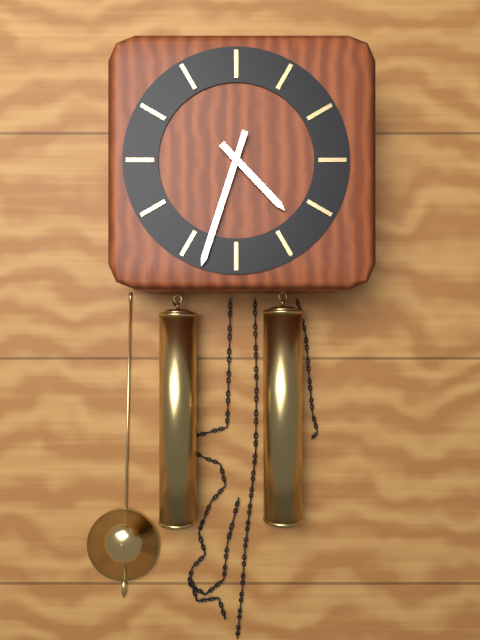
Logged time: 4,33
